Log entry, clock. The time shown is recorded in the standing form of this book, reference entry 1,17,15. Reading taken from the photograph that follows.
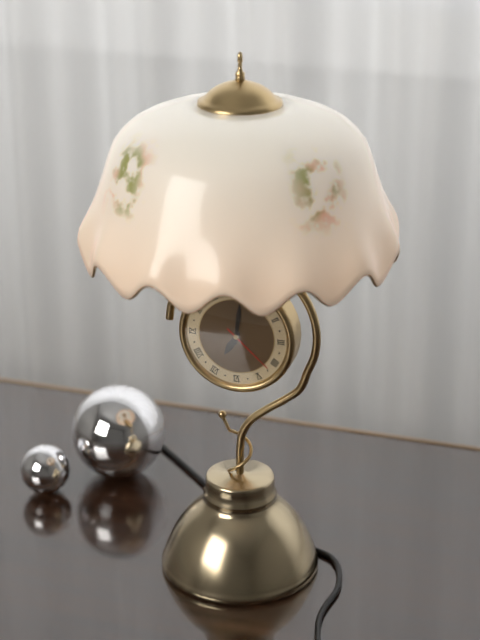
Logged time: 7,01,22
